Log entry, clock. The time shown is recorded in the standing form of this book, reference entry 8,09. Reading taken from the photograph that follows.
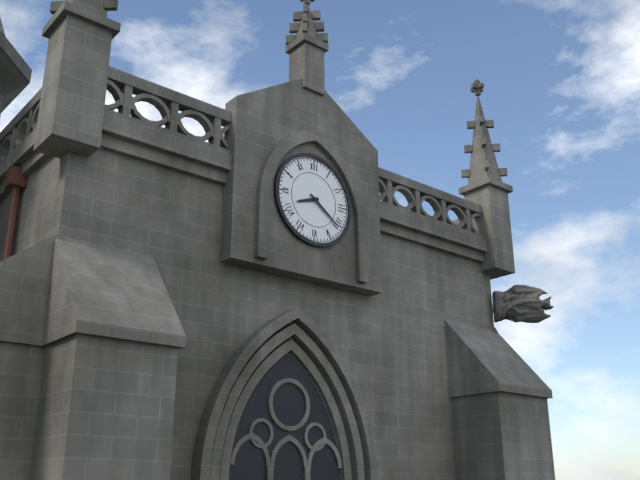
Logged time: 8,21
